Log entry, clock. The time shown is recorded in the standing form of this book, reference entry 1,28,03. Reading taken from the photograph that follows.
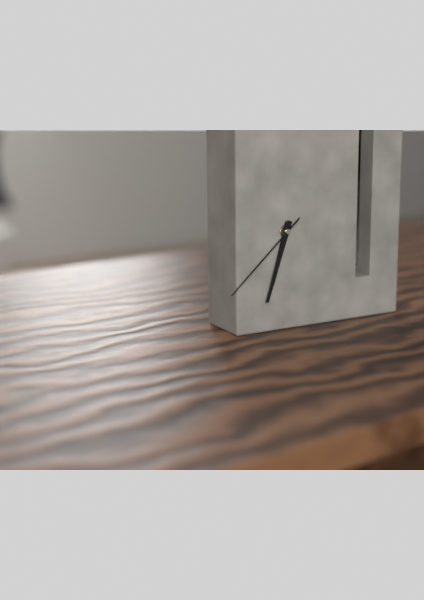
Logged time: 6,33,38
